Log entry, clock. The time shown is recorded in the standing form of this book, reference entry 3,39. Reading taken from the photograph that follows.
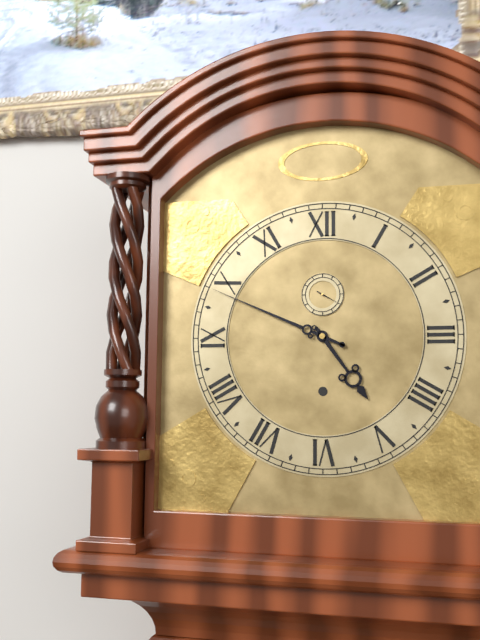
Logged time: 4,49
